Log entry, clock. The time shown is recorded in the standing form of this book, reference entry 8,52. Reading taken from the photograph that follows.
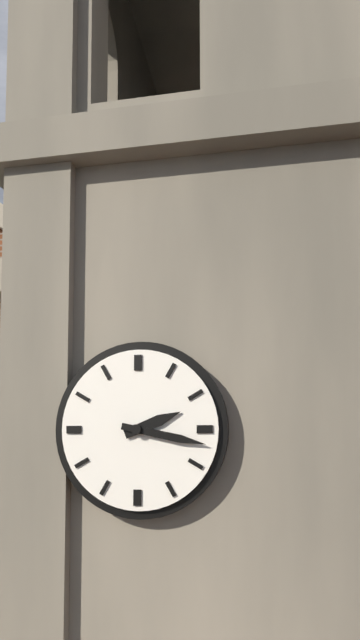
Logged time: 2,17
